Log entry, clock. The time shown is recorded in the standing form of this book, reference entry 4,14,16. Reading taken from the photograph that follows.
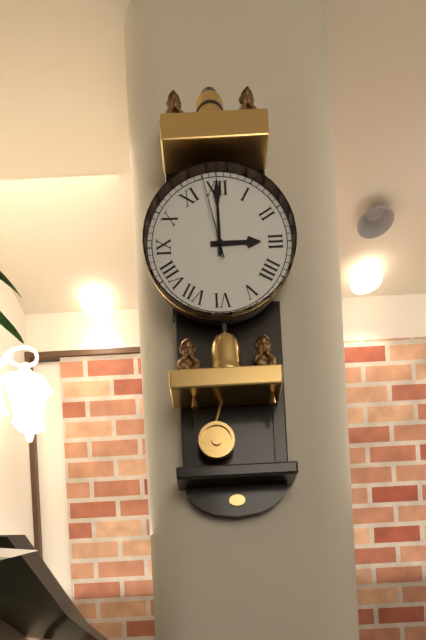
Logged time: 3,00,58
